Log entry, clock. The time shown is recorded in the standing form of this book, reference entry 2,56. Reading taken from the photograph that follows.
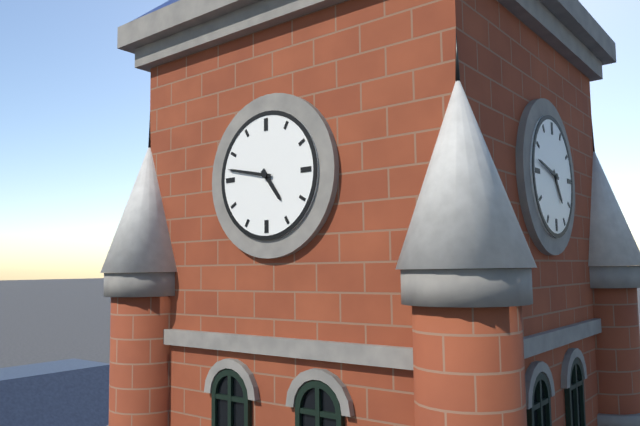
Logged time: 4,47
